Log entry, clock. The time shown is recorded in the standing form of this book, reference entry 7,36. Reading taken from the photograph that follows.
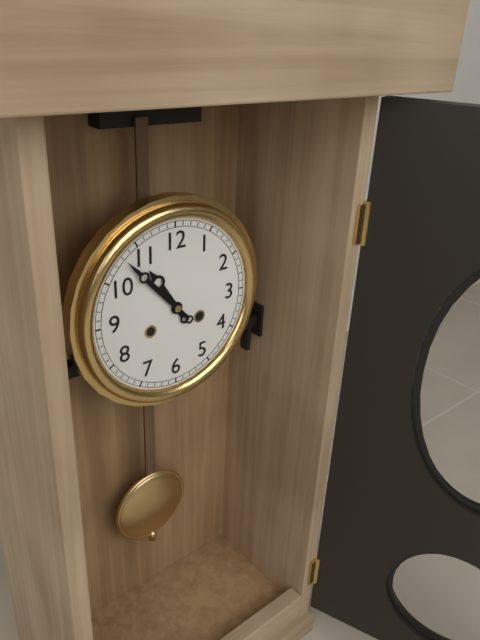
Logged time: 10,53
